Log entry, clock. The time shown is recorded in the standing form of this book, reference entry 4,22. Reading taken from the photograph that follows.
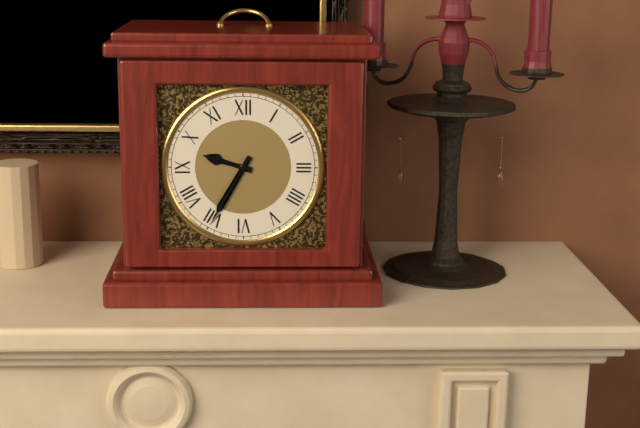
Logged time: 9,35
